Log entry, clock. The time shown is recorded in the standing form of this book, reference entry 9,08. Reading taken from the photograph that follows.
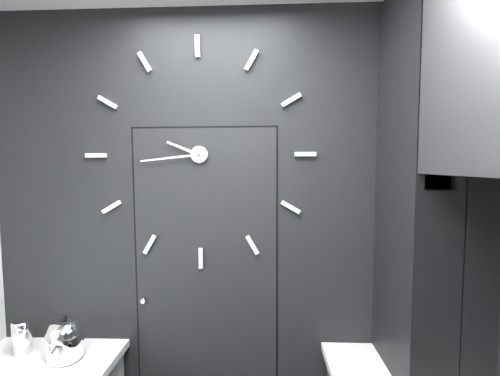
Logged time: 9,44
